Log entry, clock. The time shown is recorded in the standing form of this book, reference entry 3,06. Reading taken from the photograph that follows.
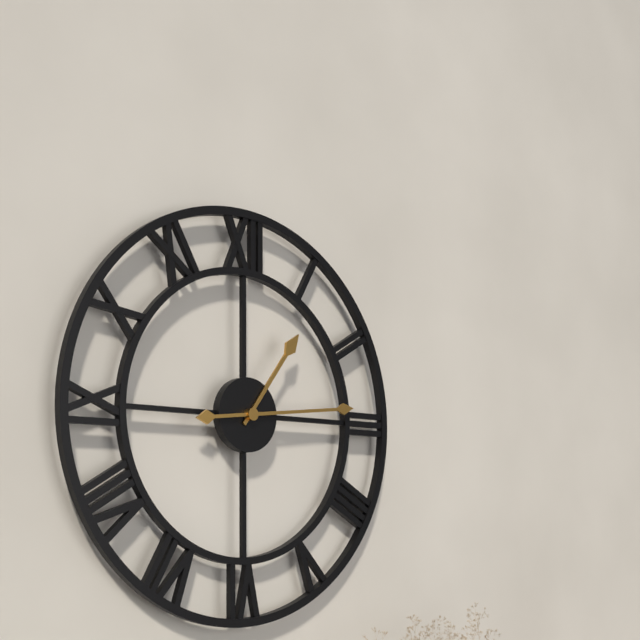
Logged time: 1,14
